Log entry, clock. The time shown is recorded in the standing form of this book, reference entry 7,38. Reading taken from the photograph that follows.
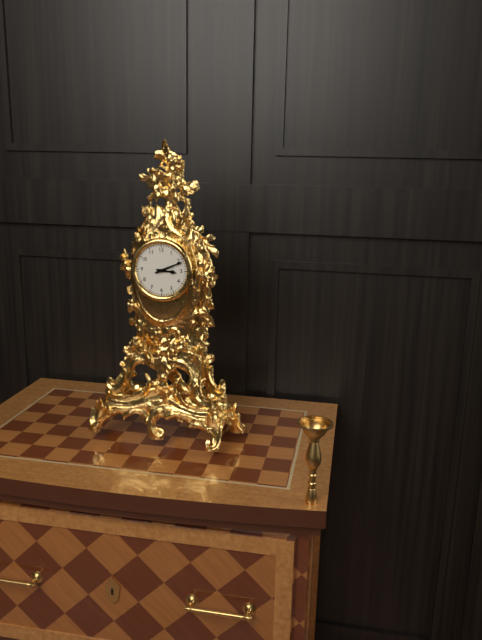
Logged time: 3,11
